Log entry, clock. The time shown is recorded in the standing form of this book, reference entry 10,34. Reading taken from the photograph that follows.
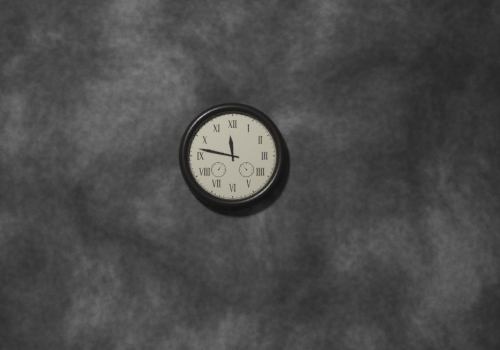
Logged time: 11,47
